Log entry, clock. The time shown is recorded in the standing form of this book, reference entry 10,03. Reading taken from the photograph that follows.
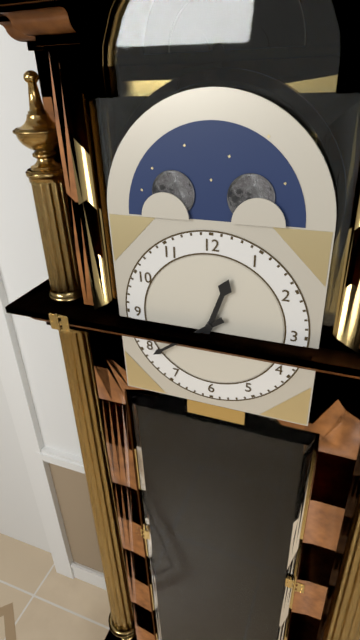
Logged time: 12,39
